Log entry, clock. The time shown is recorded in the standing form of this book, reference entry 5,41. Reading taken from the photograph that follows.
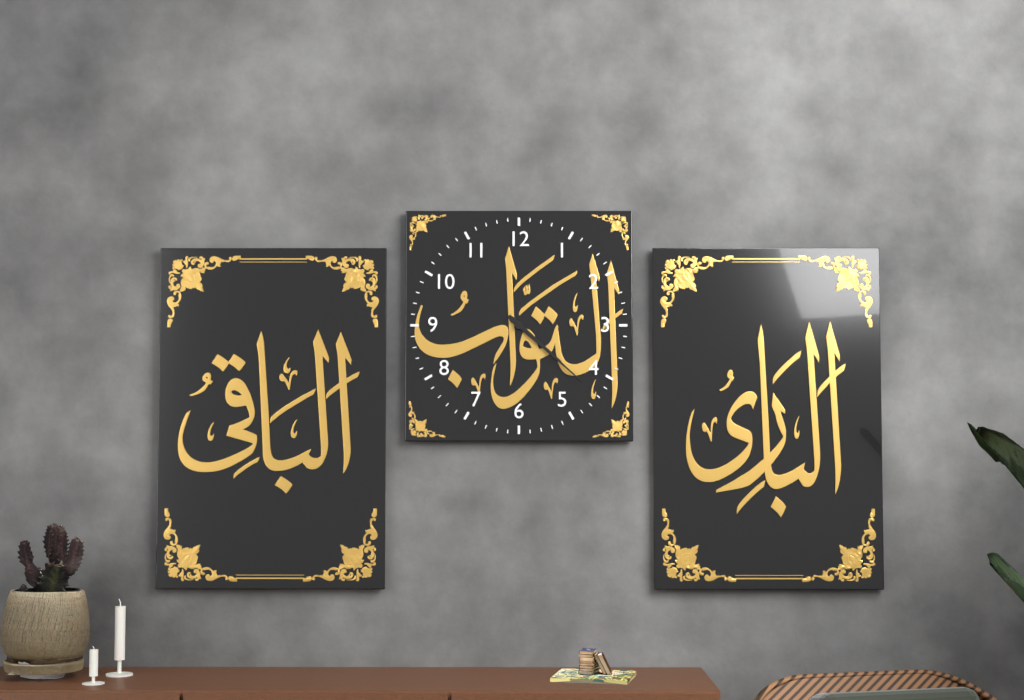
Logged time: 4,22
